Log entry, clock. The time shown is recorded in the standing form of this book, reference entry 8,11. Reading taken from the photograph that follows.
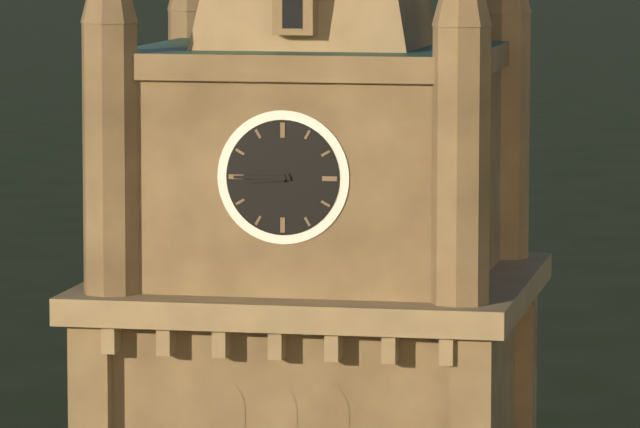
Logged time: 8,45
